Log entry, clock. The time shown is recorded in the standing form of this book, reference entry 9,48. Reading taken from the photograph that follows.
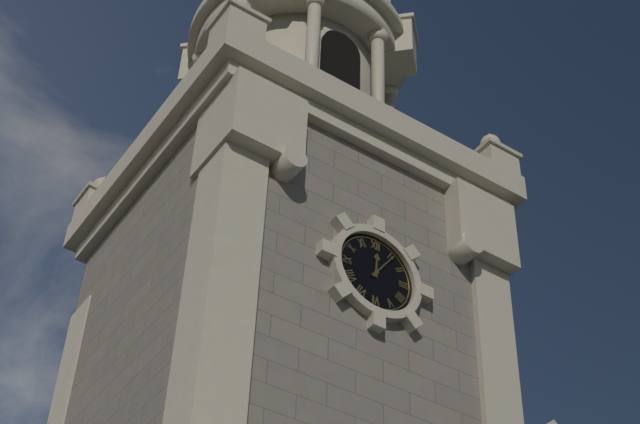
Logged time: 12,06
